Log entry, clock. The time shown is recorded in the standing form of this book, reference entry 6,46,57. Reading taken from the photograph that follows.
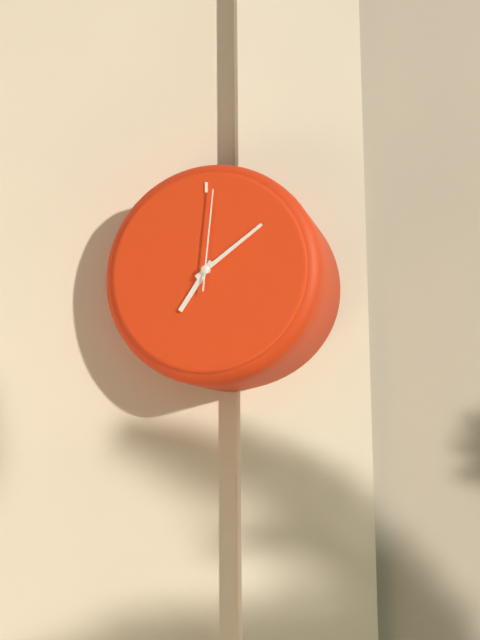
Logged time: 7,09,01
